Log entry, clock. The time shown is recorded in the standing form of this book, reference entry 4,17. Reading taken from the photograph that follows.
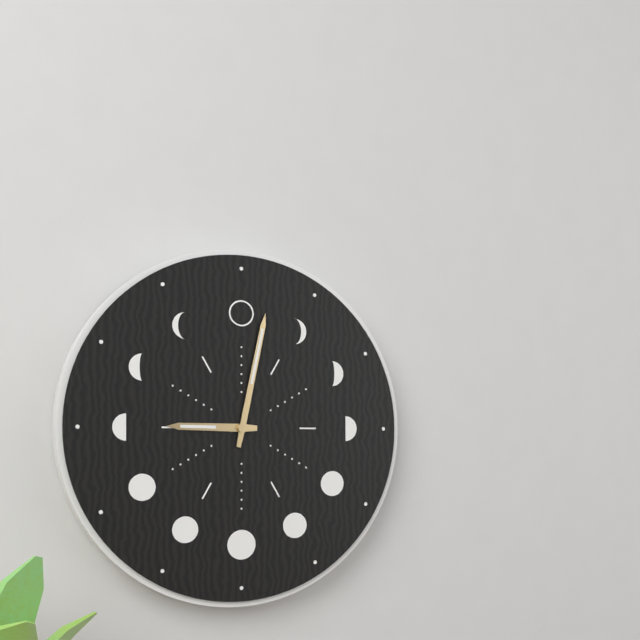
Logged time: 9,02
